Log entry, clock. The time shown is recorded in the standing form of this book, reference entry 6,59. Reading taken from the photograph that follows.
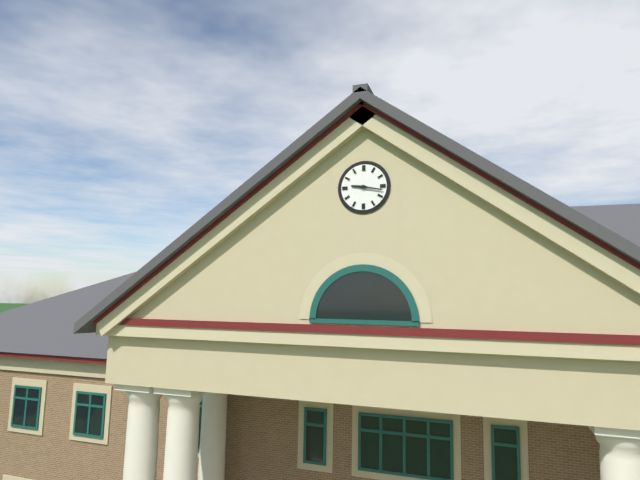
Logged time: 9,17
